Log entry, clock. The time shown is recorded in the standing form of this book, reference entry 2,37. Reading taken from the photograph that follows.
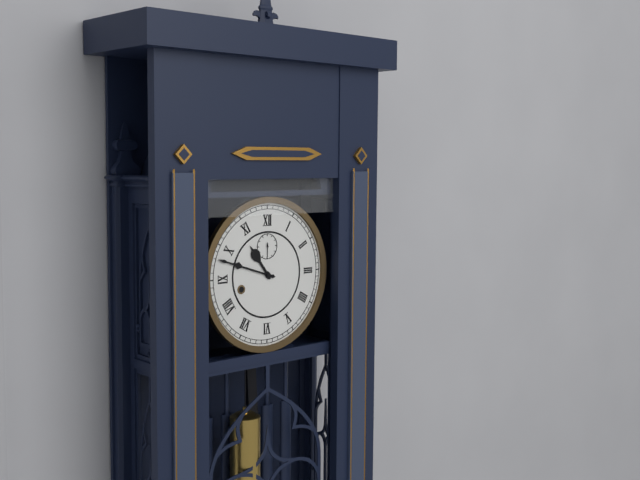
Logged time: 10,48
